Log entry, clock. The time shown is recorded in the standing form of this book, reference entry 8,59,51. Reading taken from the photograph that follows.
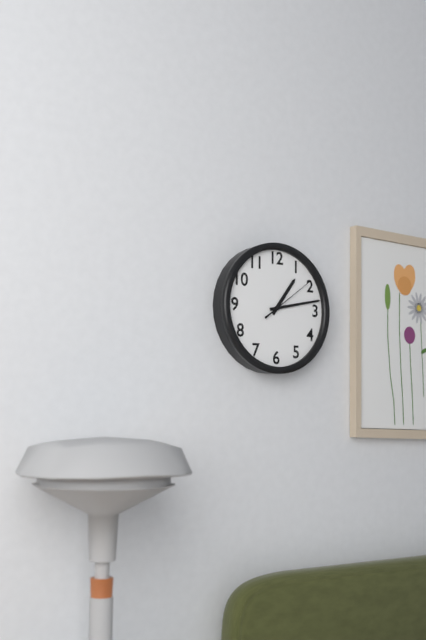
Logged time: 1,13,09
